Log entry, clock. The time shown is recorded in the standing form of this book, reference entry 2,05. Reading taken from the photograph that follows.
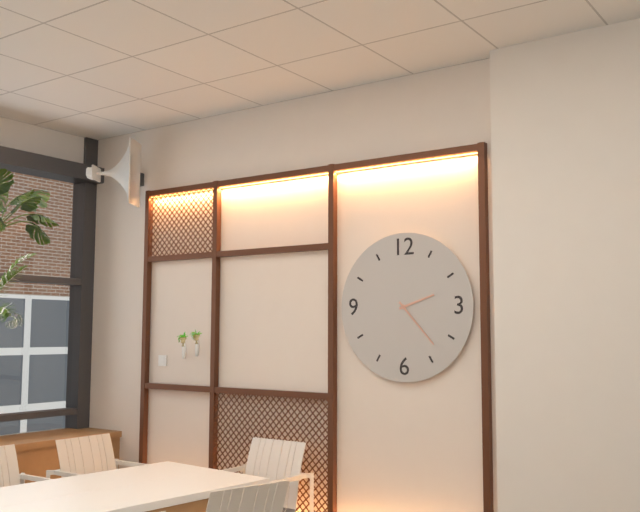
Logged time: 2,23
